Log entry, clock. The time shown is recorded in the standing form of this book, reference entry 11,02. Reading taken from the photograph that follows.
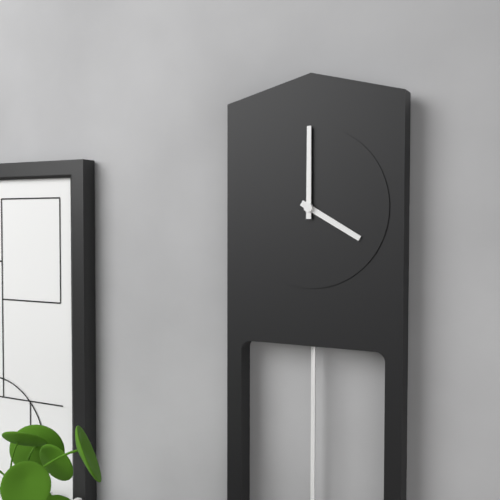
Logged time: 4,00
